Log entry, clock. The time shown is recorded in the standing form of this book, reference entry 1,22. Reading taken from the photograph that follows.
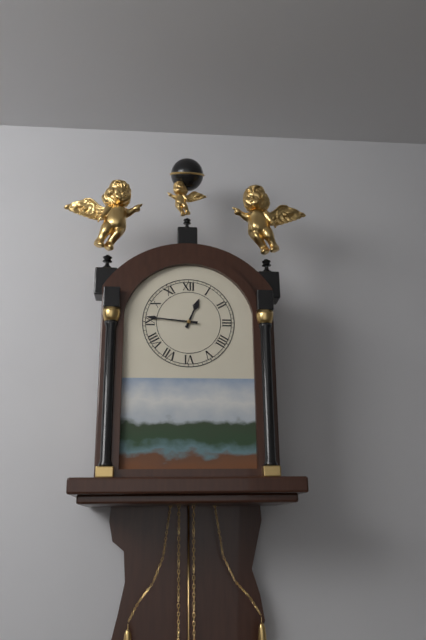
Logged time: 12,46
